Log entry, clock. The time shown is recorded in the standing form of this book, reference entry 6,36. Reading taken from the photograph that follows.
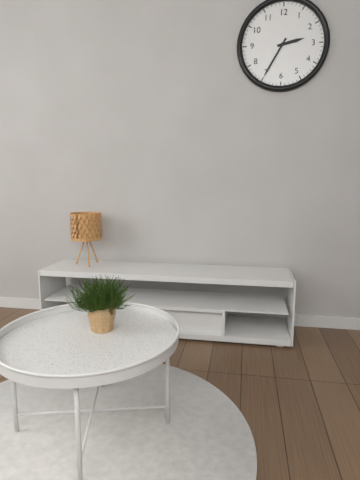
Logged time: 2,35
